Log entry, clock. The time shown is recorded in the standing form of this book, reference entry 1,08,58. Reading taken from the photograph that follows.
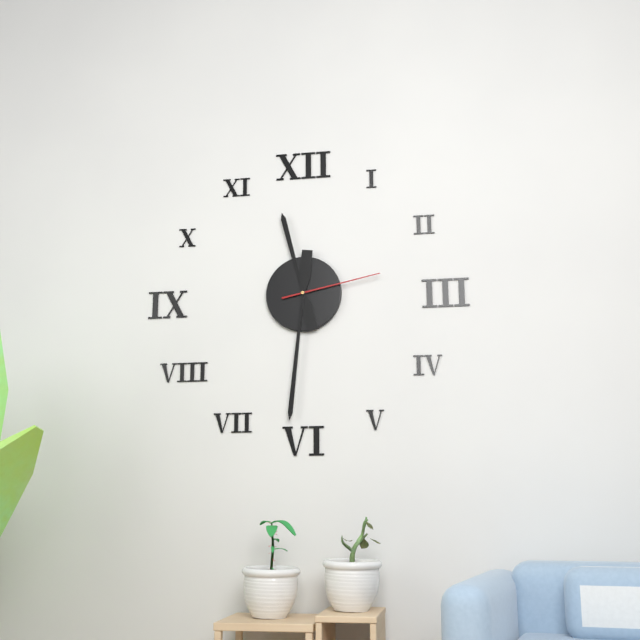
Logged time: 11,31,13
